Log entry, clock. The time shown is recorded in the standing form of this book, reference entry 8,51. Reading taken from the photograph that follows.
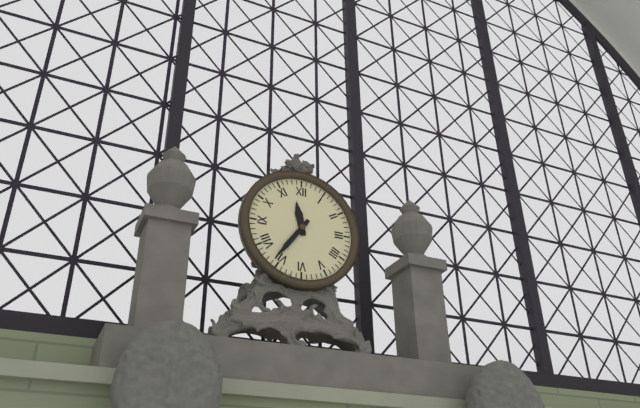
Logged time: 11,36
